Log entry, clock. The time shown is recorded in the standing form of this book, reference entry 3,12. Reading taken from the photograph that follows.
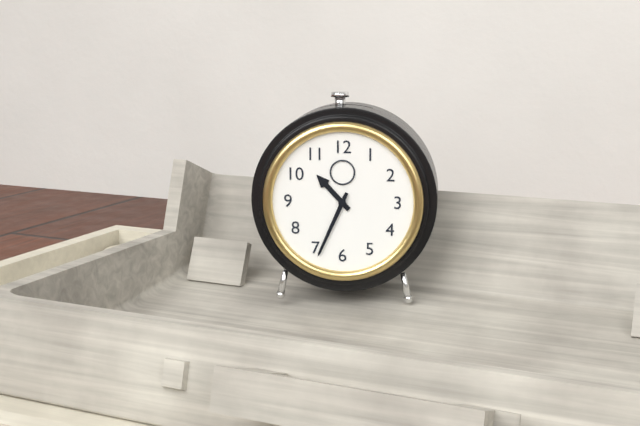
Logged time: 10,34
